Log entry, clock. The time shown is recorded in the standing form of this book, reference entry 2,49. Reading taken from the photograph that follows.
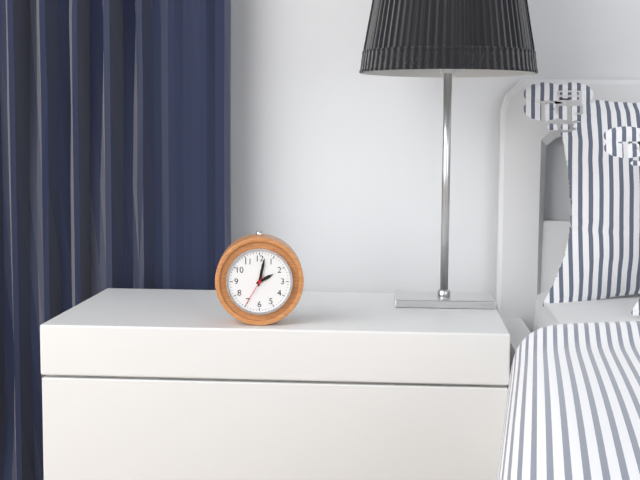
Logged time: 2,02
